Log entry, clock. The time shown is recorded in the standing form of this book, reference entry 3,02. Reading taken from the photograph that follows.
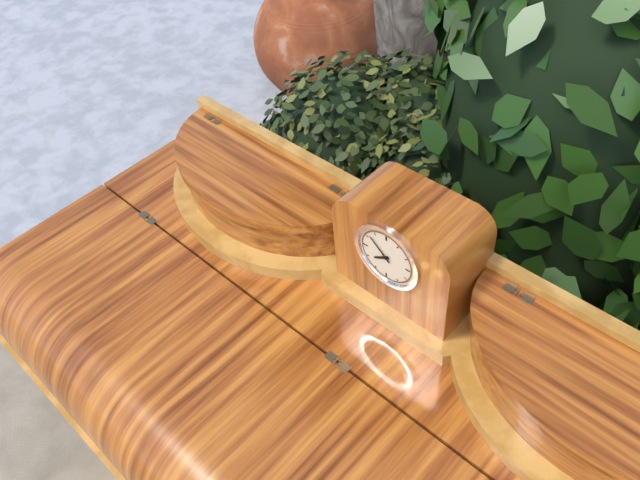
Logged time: 7,52
